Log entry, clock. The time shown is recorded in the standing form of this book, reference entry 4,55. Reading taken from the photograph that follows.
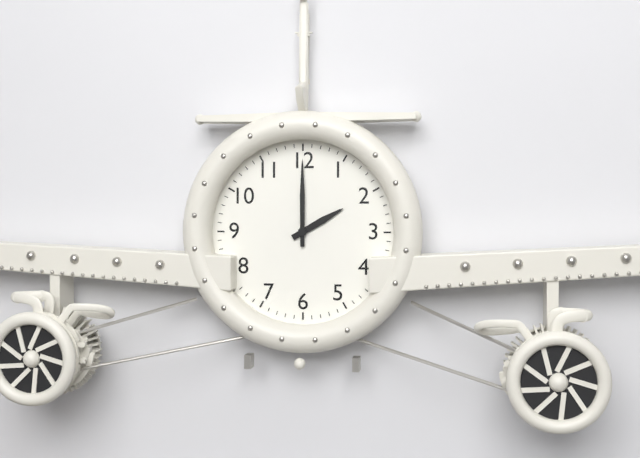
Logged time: 2,00
